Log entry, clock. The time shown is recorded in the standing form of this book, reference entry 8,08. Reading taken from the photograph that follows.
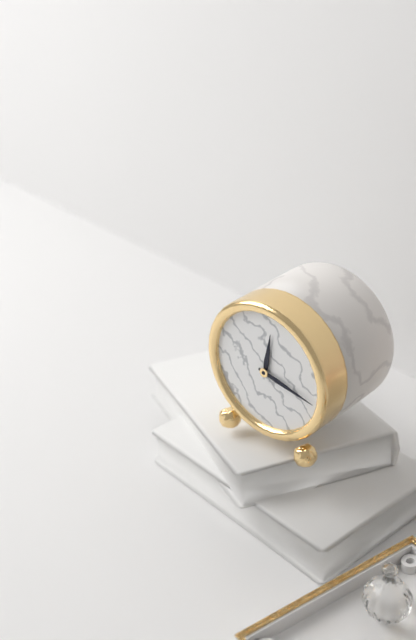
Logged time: 12,17
